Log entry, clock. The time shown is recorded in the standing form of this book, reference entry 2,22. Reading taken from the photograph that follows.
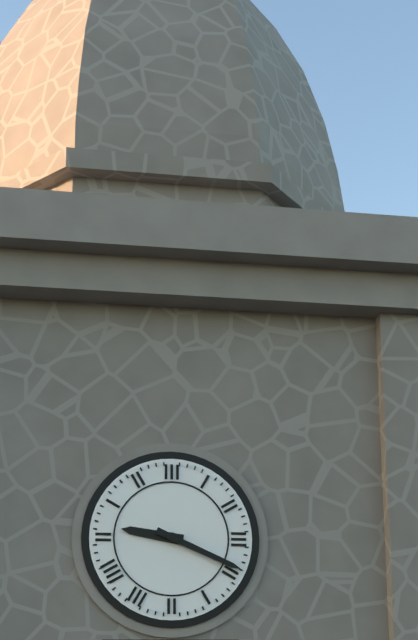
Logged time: 9,19
